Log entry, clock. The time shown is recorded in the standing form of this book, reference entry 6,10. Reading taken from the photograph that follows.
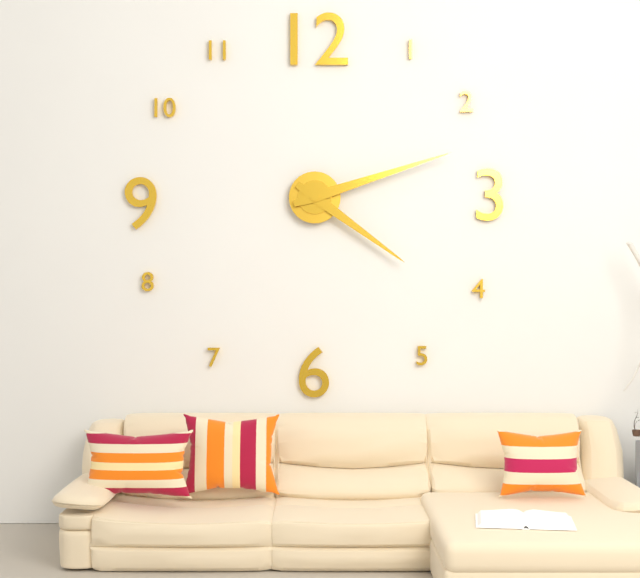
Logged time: 4,12
